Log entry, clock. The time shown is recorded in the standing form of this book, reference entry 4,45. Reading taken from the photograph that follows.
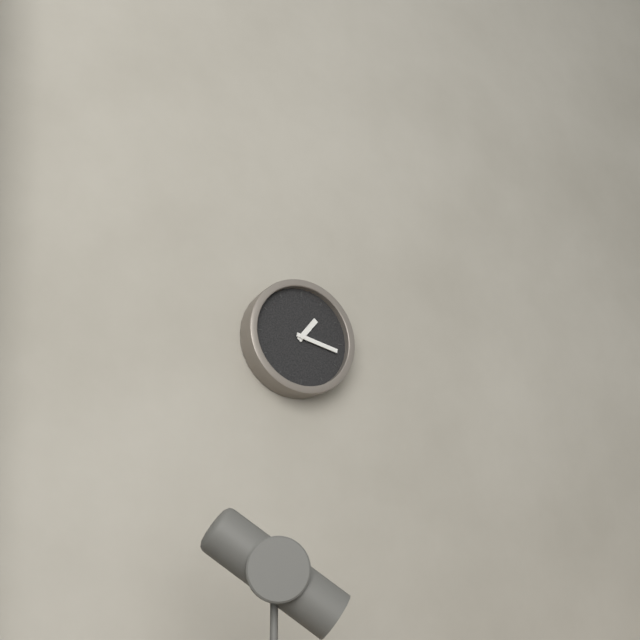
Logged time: 1,17
